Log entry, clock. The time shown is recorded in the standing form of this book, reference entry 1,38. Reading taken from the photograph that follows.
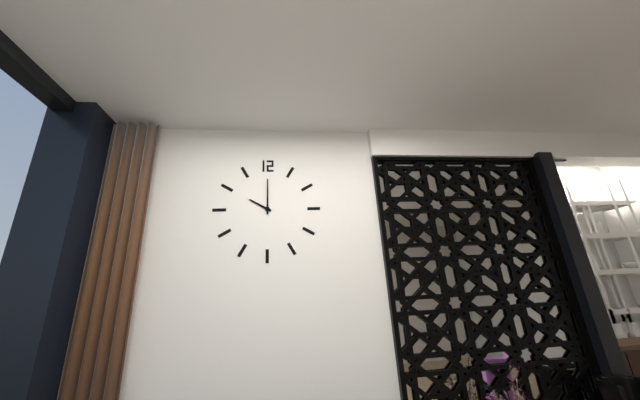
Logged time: 10,00
